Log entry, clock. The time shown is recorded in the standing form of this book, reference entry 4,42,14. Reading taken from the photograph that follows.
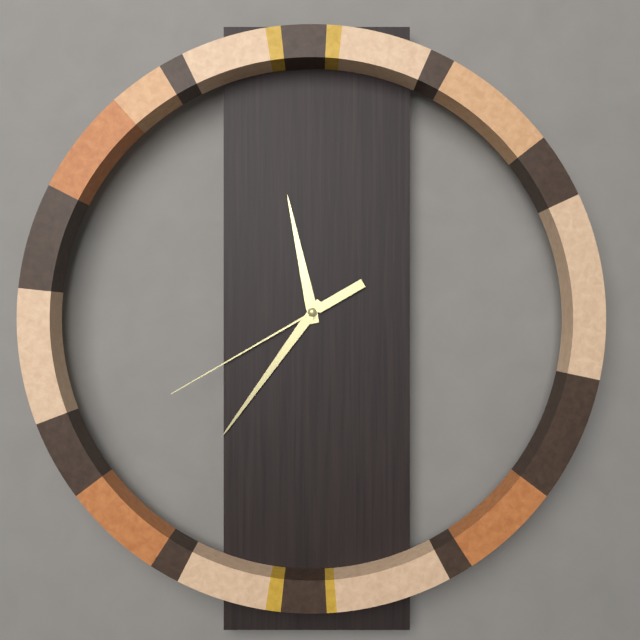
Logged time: 11,36,40
